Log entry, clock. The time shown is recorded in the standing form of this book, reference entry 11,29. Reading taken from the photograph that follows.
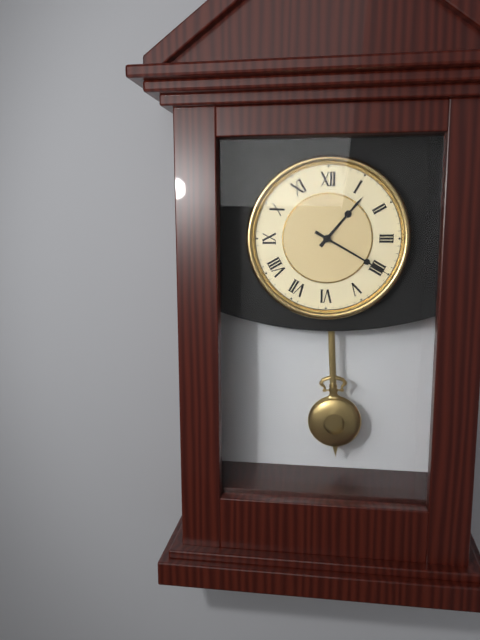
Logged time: 1,20
